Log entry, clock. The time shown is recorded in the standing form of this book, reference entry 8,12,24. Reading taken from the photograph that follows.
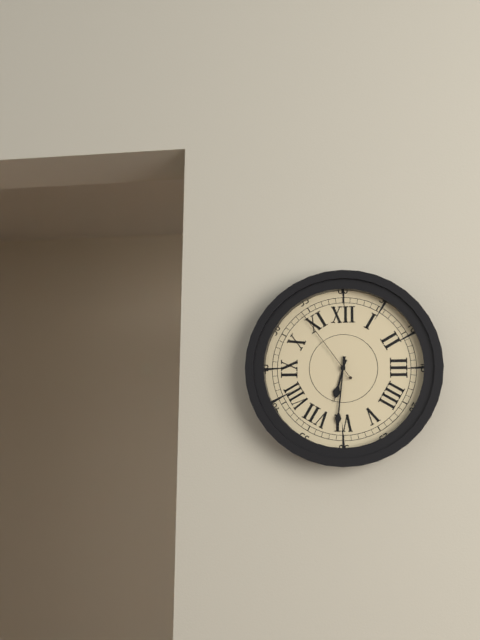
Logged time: 6,31,54
